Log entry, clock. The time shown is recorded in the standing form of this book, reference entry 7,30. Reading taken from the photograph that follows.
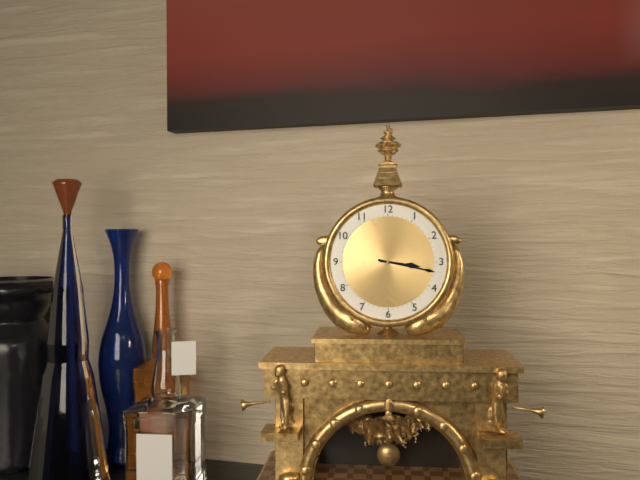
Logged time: 3,17
